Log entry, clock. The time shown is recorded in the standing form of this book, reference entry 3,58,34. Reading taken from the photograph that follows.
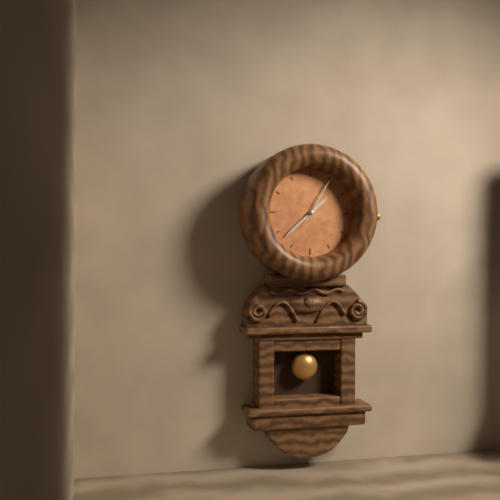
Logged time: 1,38,05
